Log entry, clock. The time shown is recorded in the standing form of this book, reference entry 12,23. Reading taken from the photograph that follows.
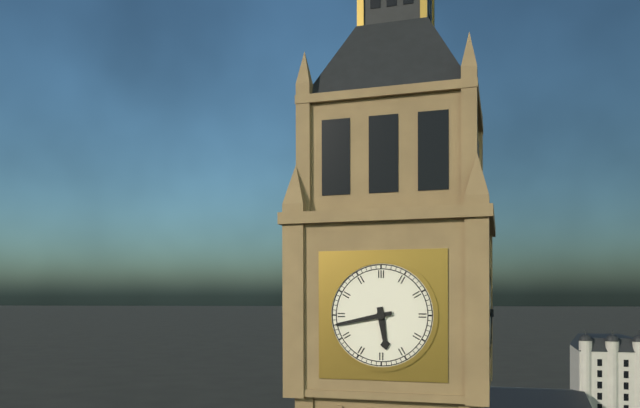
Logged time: 5,43
